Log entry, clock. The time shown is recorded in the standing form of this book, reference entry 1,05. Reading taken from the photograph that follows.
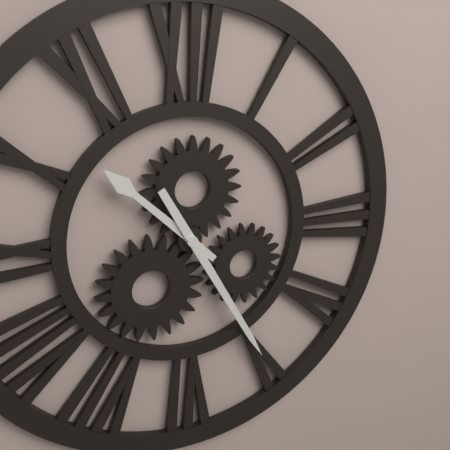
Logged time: 10,25
